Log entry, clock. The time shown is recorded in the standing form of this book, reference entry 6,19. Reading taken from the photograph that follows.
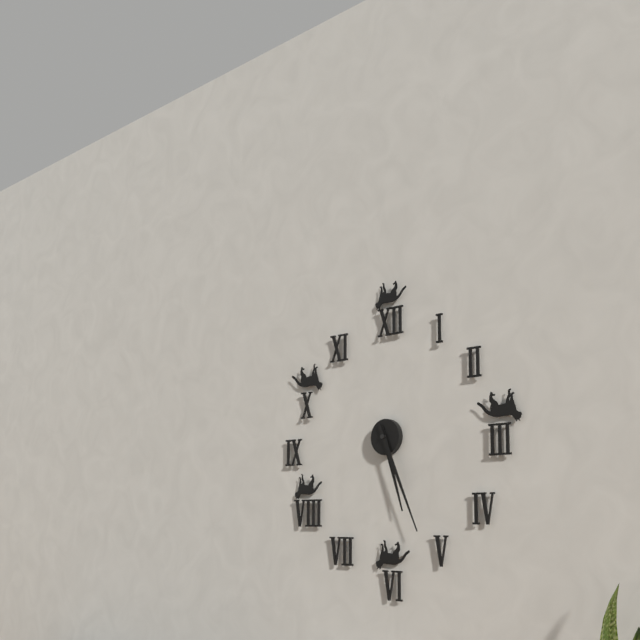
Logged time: 5,26
